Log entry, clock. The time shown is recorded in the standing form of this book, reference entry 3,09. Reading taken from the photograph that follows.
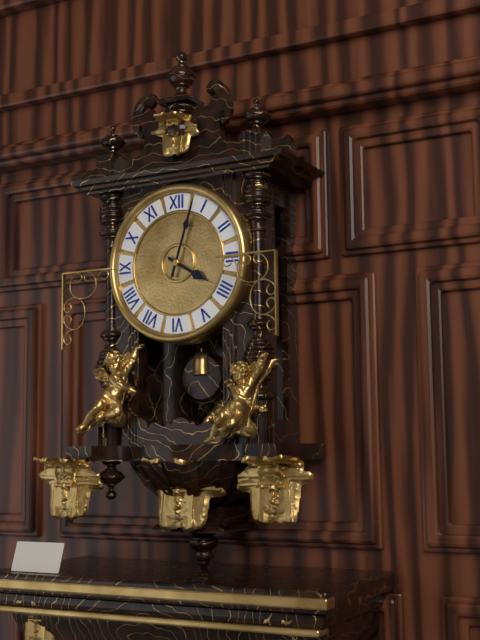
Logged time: 4,03
